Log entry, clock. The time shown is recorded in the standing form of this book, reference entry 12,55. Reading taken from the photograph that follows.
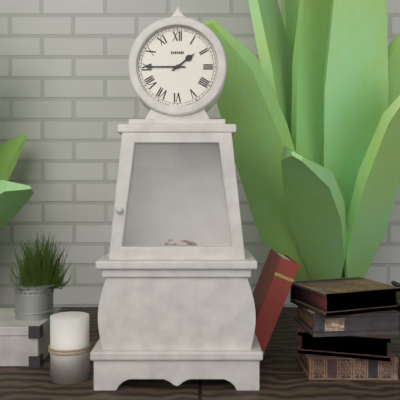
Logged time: 1,45
